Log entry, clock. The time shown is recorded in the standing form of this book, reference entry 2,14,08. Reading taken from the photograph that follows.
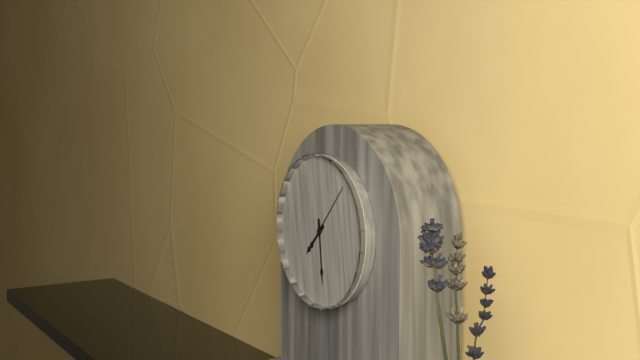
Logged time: 7,29,07
